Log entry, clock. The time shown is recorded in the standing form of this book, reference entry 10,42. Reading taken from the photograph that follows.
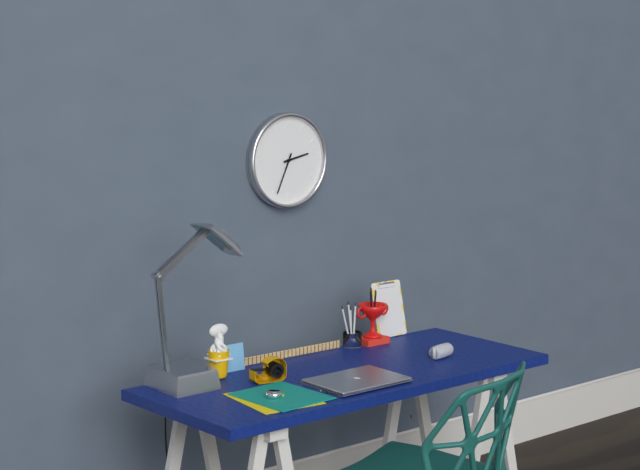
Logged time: 2,34
